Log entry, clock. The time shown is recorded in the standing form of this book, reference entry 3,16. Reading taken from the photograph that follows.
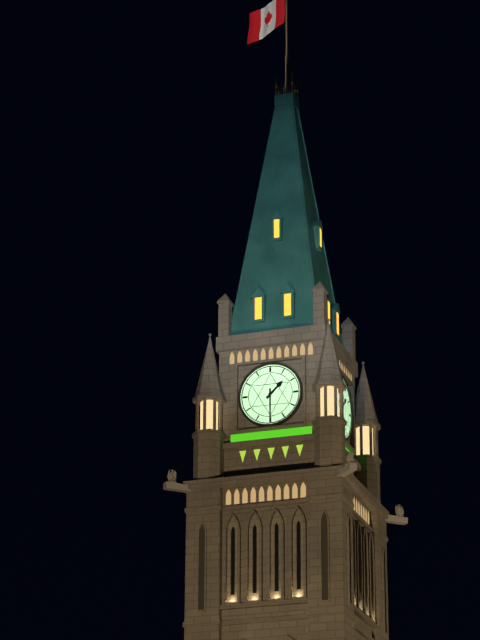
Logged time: 1,30
